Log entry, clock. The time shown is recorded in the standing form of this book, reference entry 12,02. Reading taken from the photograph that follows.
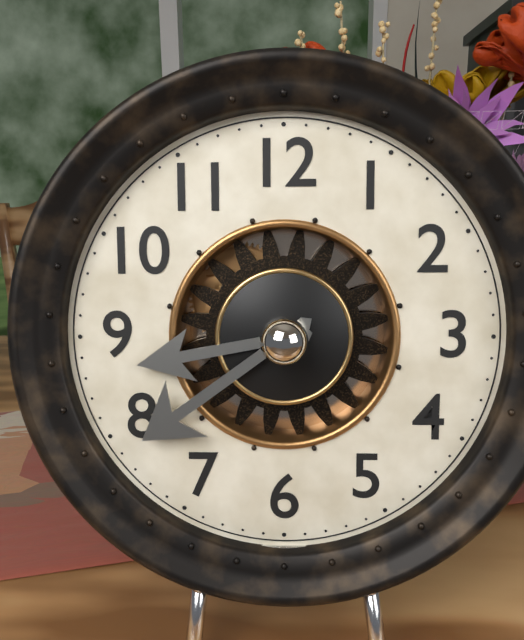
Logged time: 8,39
